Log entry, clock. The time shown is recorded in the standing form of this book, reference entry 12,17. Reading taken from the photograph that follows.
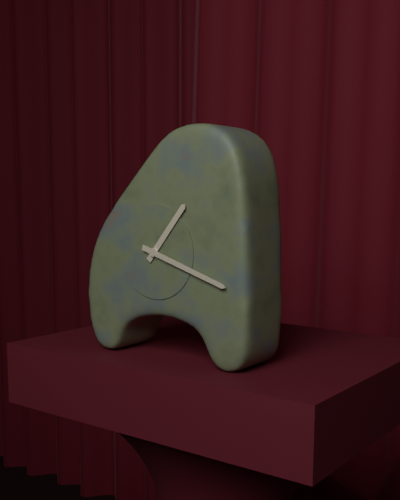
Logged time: 1,18
